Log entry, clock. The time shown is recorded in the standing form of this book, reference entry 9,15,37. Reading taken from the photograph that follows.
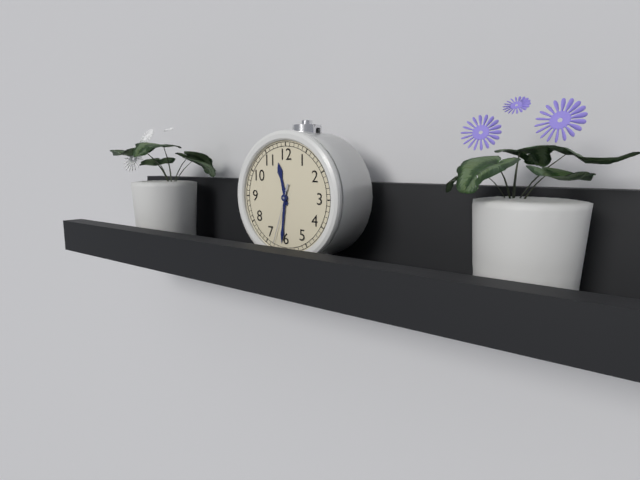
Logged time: 11,31,33
